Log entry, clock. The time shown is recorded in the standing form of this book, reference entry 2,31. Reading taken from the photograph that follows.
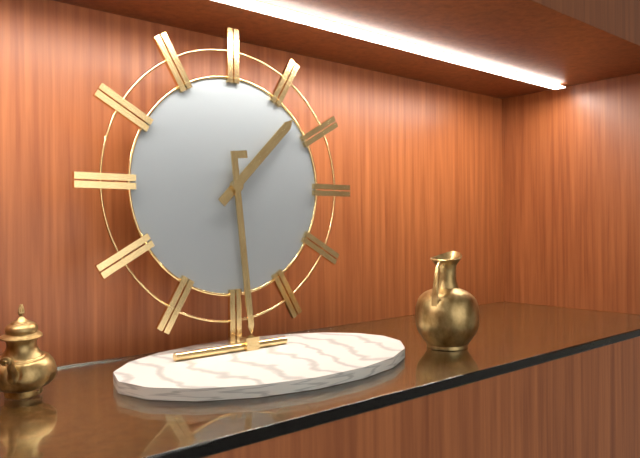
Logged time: 1,29
